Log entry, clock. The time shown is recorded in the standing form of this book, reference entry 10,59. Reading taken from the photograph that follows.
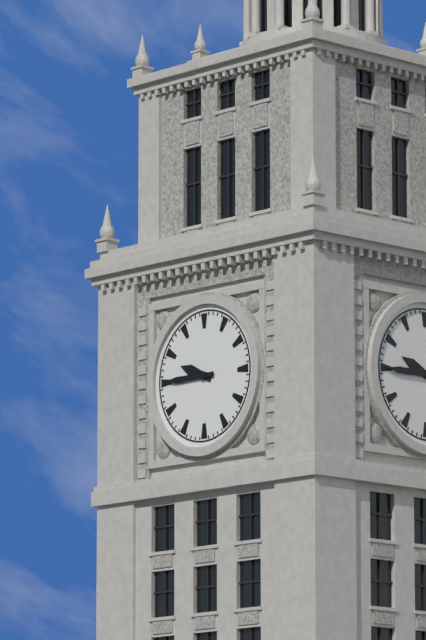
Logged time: 9,45
